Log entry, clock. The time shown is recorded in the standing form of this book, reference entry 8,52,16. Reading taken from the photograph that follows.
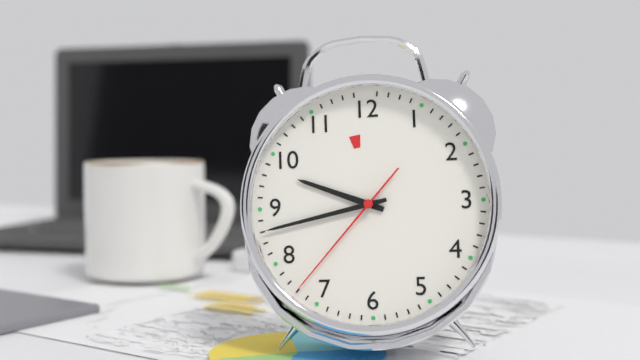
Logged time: 9,43,37
